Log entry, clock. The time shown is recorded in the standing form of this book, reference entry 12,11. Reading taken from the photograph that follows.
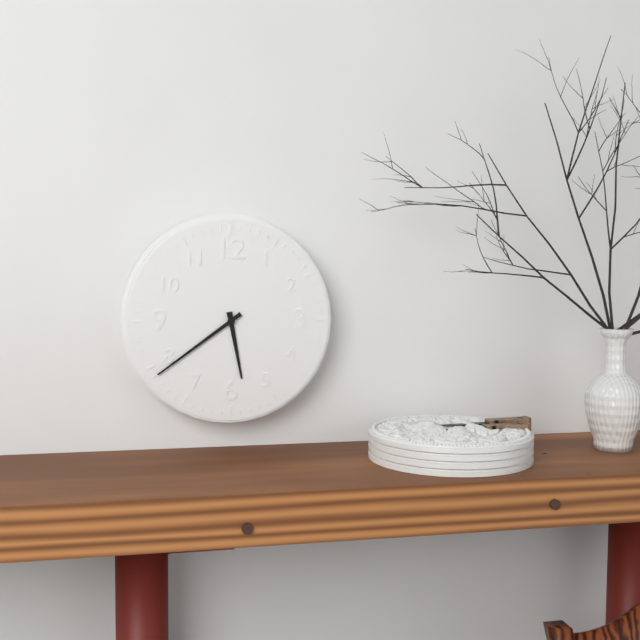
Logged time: 5,39
